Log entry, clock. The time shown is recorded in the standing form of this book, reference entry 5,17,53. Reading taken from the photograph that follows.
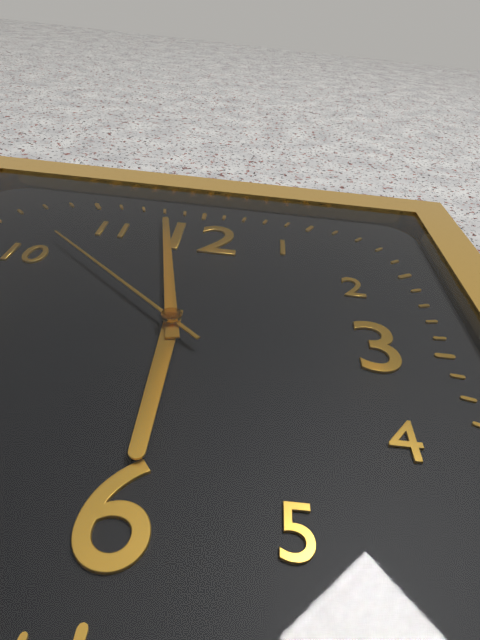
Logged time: 5,58,52
